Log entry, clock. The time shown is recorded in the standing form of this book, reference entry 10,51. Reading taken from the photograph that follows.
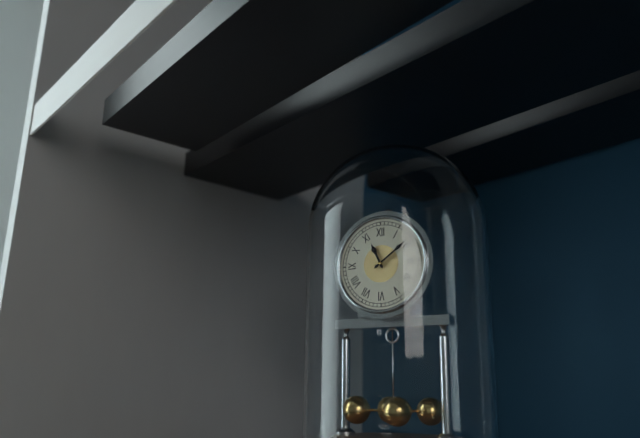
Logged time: 11,09
